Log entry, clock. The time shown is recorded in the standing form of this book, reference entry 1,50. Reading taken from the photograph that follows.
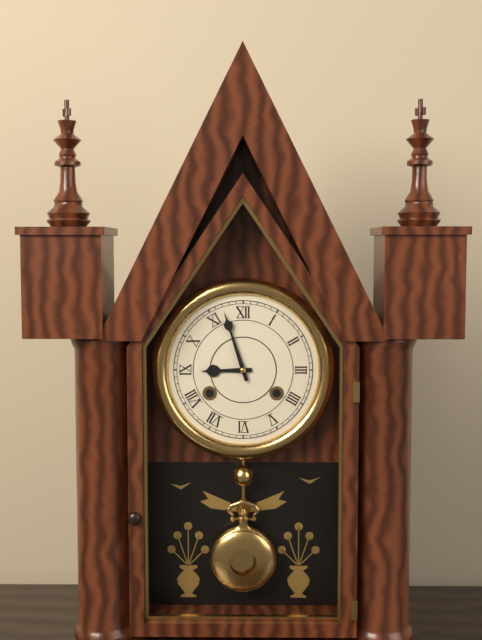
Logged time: 8,57
